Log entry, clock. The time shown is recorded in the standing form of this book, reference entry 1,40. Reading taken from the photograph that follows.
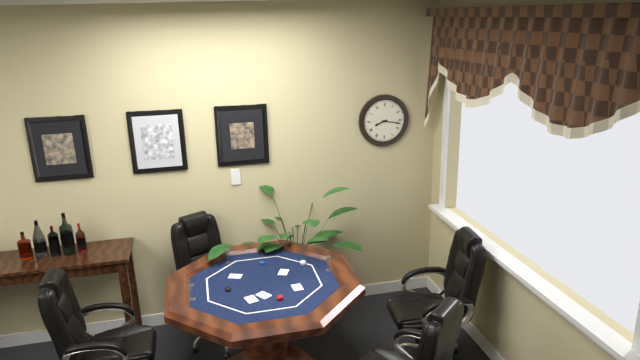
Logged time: 8,17
